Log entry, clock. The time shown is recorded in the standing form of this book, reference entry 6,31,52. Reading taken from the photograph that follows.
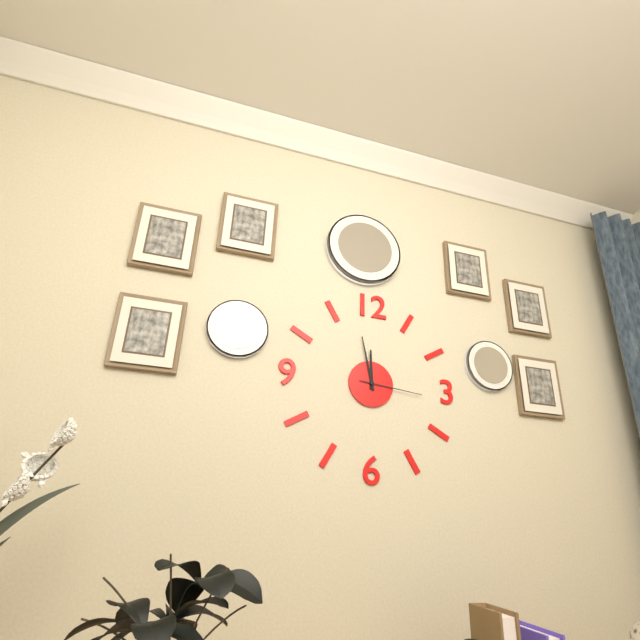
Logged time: 11,58,16
